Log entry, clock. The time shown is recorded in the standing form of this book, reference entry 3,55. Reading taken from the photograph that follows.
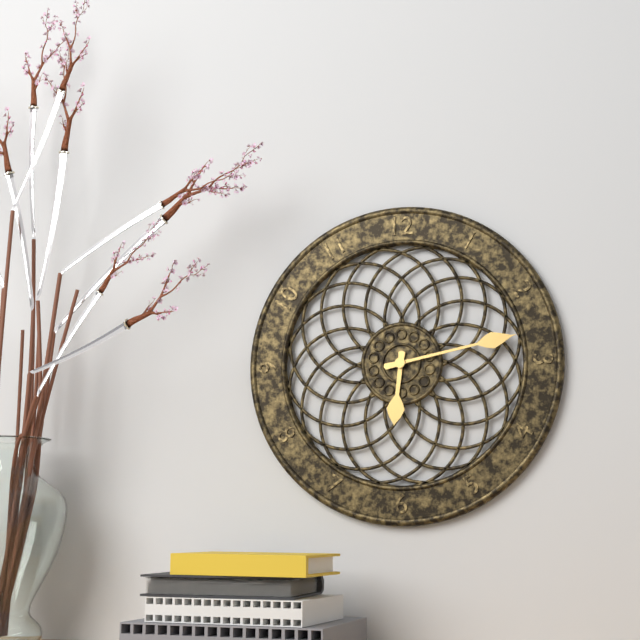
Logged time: 6,13
